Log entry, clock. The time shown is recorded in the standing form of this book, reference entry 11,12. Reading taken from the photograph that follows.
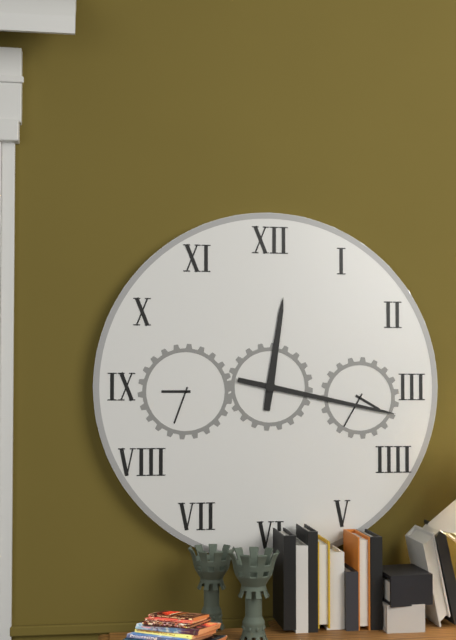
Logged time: 12,17
